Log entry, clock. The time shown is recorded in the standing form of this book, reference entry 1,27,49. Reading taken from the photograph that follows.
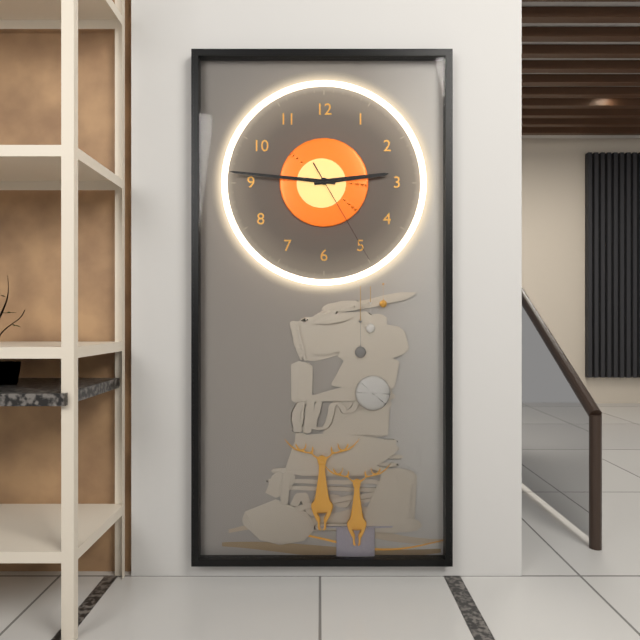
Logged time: 2,46,25
